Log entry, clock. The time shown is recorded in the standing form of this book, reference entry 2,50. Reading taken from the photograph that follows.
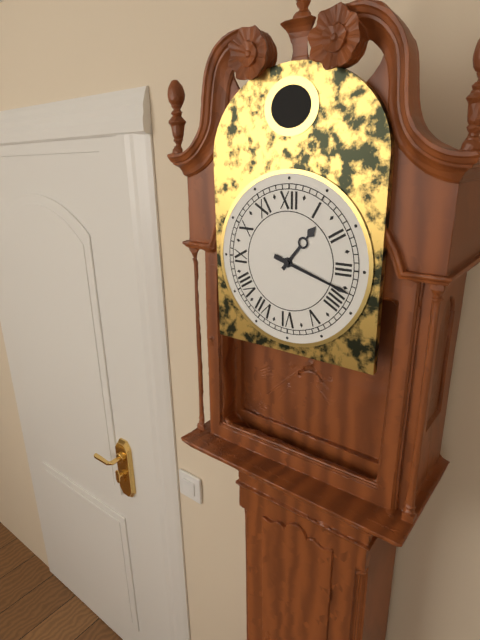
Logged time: 1,18
